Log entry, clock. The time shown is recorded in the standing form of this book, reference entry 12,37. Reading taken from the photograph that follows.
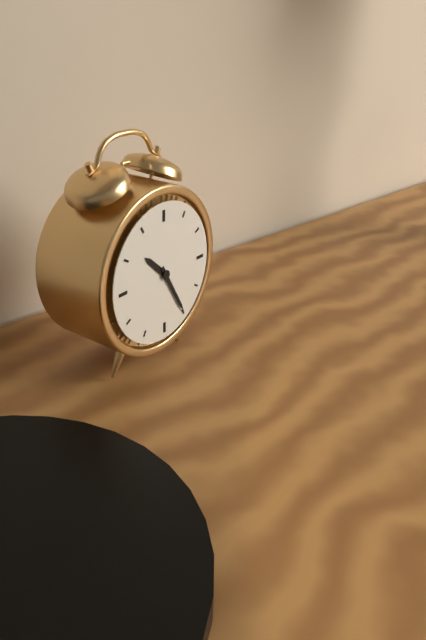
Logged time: 10,25
